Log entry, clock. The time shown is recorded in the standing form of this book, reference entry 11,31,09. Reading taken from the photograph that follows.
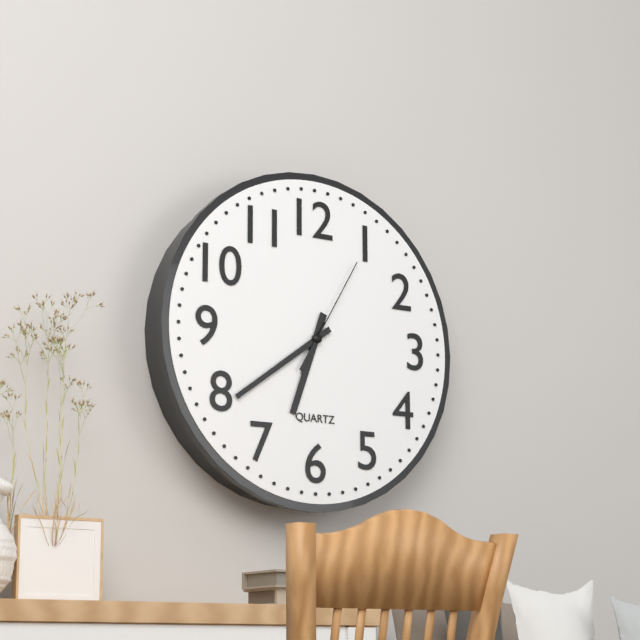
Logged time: 6,39,05
